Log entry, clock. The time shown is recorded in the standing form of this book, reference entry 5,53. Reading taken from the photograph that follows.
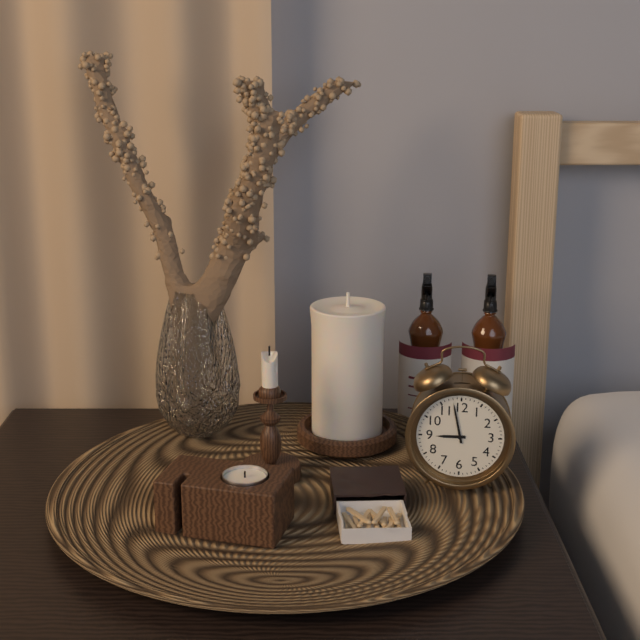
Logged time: 8,58
